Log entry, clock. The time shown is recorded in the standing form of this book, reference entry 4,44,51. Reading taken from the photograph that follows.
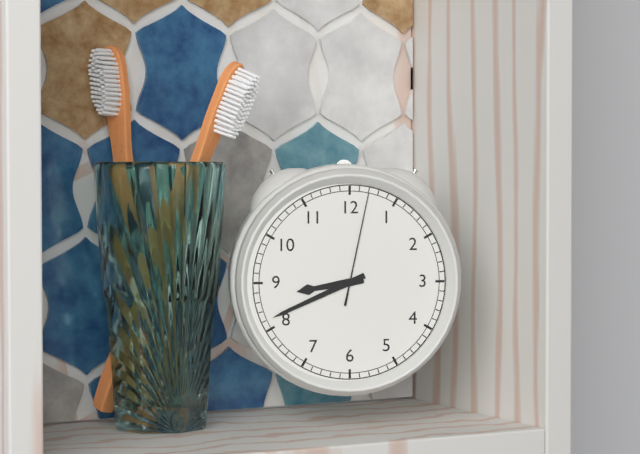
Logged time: 8,41,02
